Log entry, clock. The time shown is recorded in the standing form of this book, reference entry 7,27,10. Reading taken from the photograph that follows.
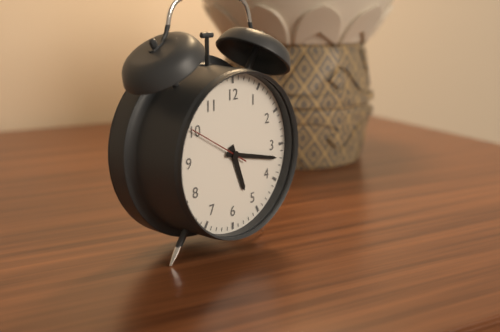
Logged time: 5,17,50
